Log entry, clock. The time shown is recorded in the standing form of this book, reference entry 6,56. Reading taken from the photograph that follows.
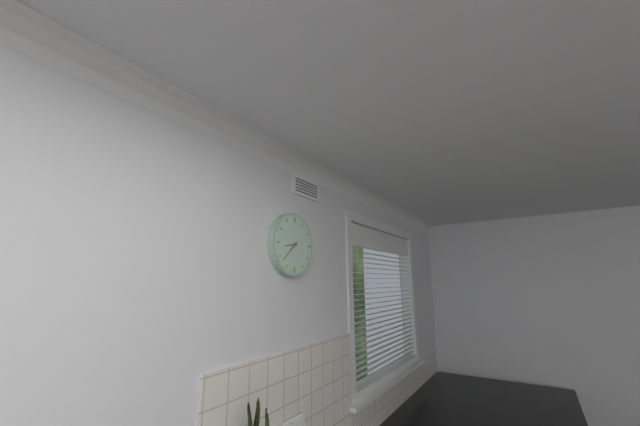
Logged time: 8,38
